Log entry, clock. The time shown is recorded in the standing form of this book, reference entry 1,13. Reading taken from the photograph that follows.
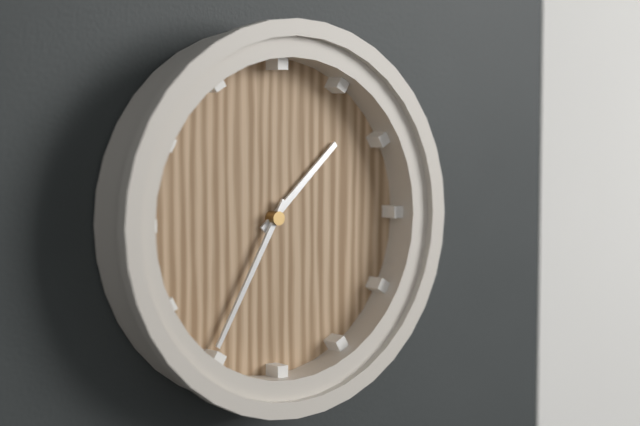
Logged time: 1,35
